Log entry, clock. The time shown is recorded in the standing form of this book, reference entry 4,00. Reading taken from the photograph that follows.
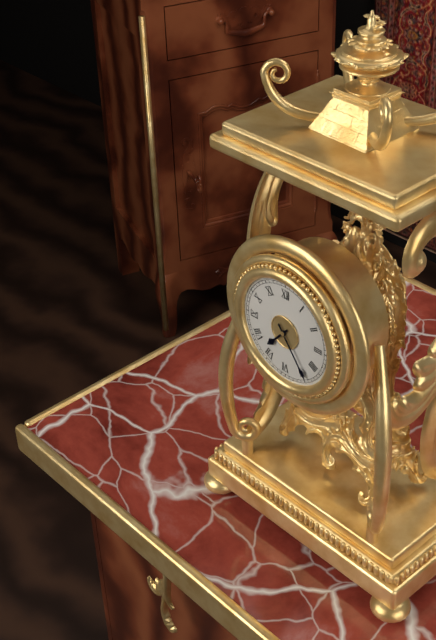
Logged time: 7,24
